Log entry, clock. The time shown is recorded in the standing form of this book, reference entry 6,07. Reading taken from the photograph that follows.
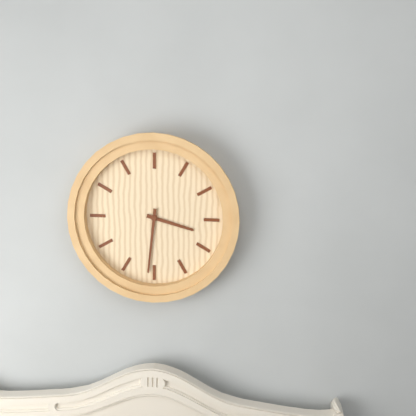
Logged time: 3,31
